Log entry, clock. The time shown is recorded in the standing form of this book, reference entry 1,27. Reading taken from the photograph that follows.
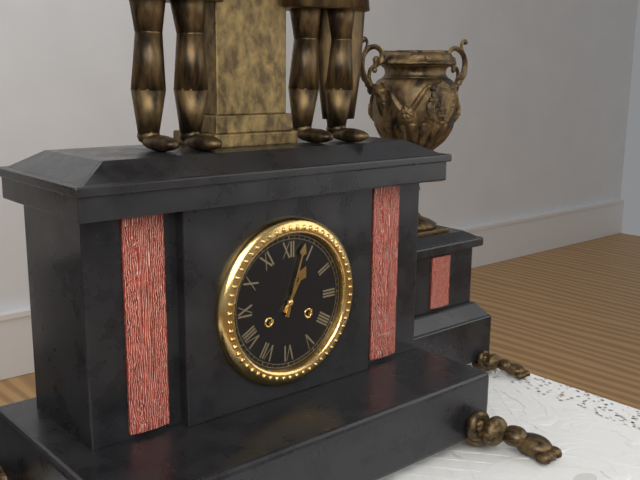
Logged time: 1,03
